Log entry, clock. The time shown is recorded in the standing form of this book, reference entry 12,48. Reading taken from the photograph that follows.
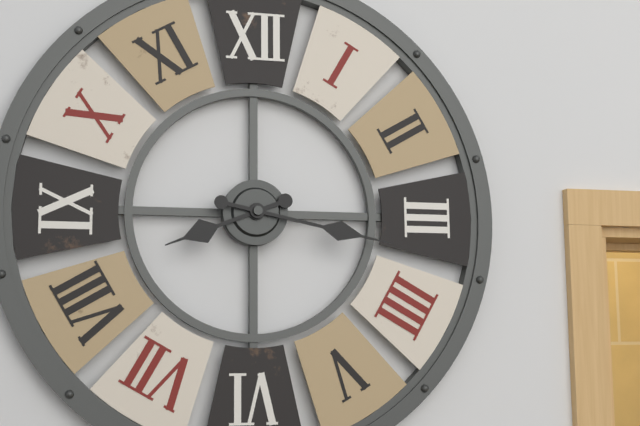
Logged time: 8,17
